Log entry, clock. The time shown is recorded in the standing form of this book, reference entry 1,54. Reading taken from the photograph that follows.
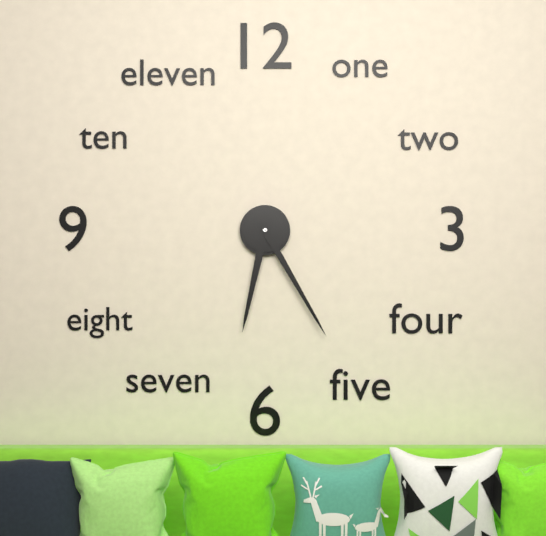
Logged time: 6,25
